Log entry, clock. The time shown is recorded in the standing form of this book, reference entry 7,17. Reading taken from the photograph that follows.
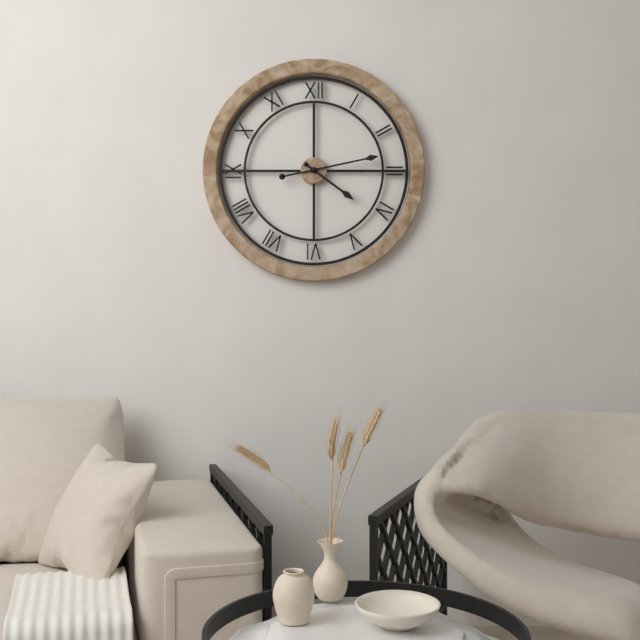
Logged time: 4,13
